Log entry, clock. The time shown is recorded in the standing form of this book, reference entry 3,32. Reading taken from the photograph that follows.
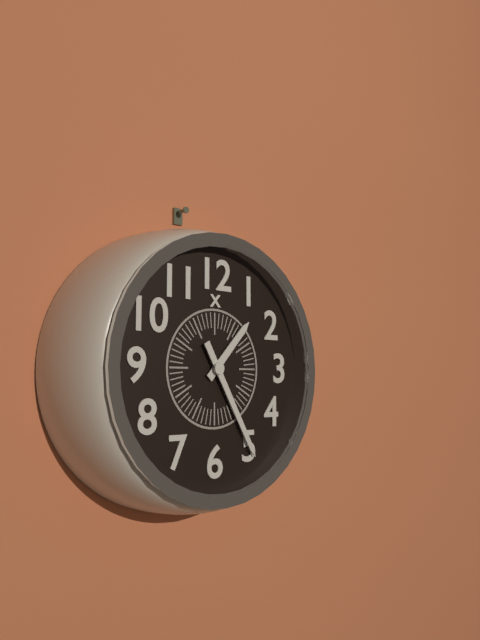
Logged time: 1,25
